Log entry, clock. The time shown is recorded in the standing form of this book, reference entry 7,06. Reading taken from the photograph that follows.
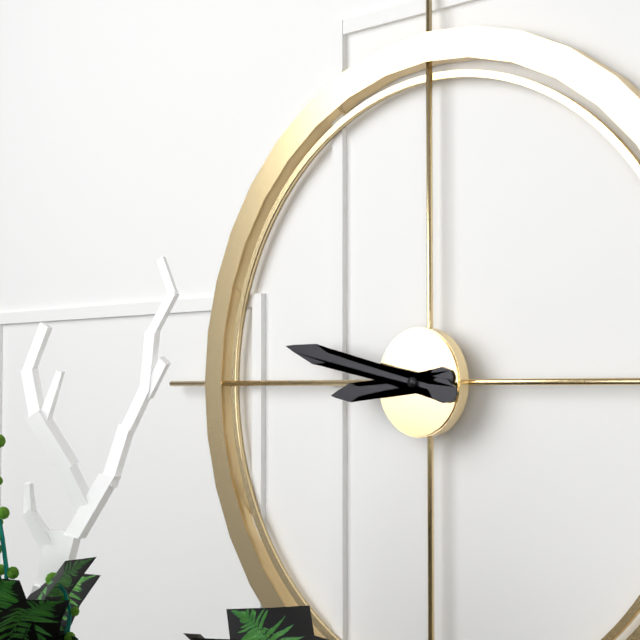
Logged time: 8,47
